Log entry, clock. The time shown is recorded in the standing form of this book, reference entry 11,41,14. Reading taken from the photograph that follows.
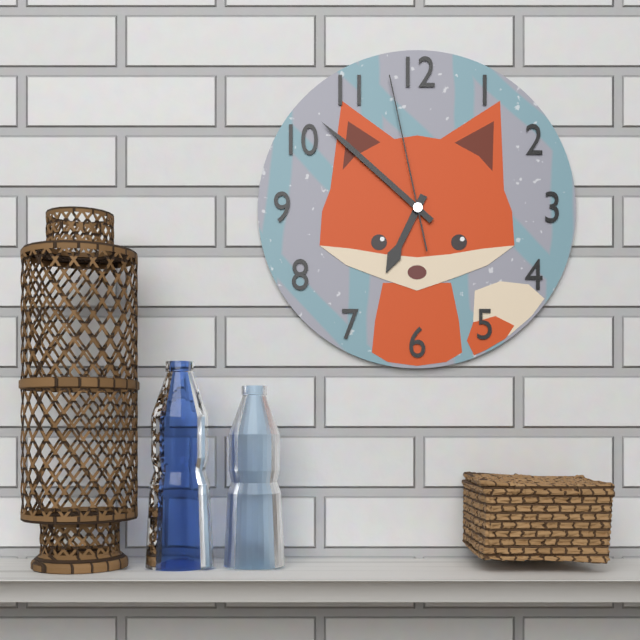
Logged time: 6,52,58
